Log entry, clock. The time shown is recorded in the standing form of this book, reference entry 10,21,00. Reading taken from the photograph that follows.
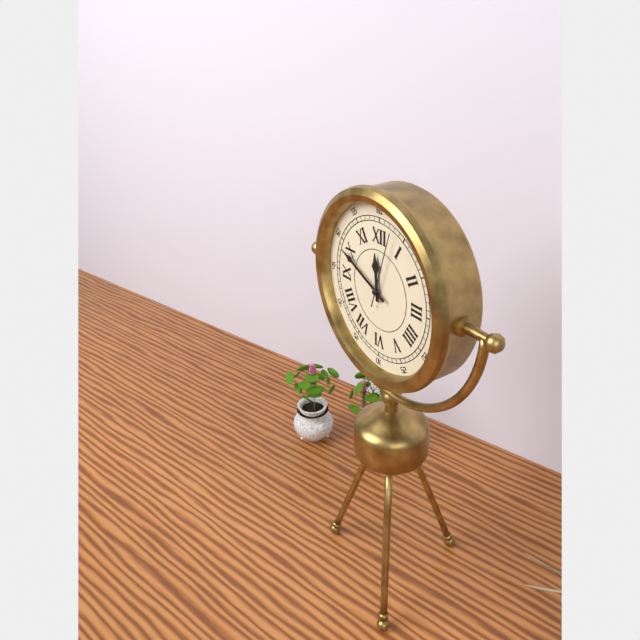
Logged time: 11,49,03
